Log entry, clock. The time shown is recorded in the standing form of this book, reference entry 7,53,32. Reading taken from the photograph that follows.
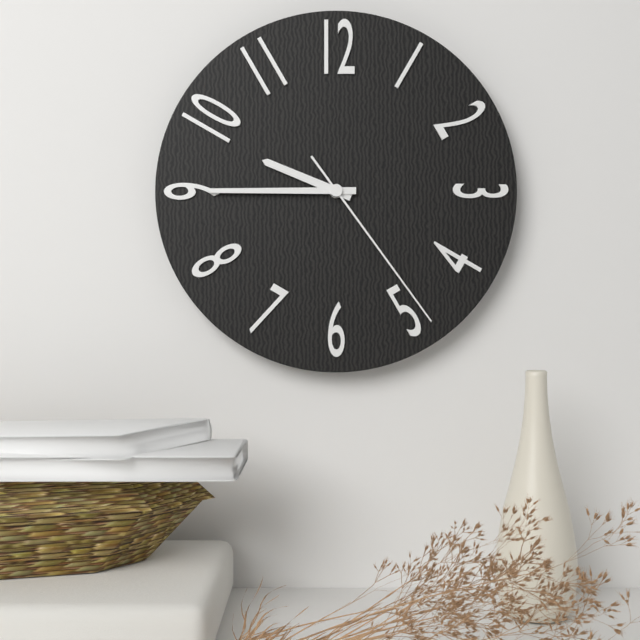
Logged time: 9,45,24
